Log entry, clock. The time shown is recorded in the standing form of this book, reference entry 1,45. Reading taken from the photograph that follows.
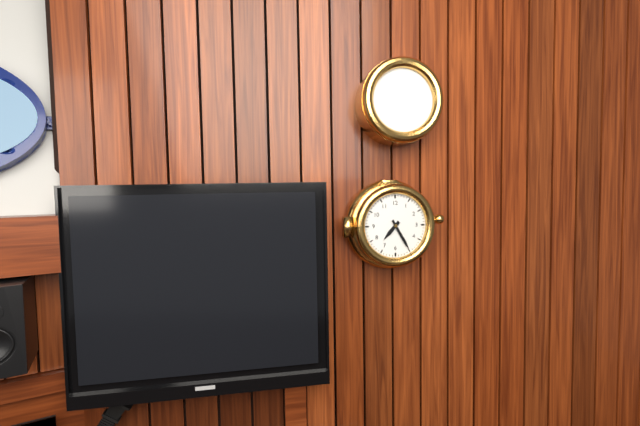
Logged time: 7,25
